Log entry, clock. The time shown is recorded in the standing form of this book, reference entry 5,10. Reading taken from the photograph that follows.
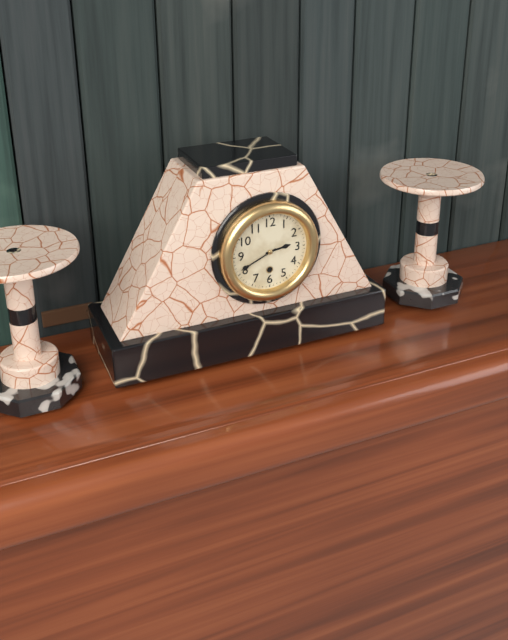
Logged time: 2,41
